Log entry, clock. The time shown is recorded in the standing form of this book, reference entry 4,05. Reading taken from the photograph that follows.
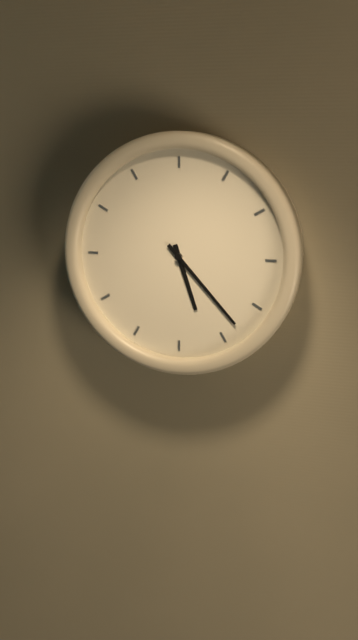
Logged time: 5,23
